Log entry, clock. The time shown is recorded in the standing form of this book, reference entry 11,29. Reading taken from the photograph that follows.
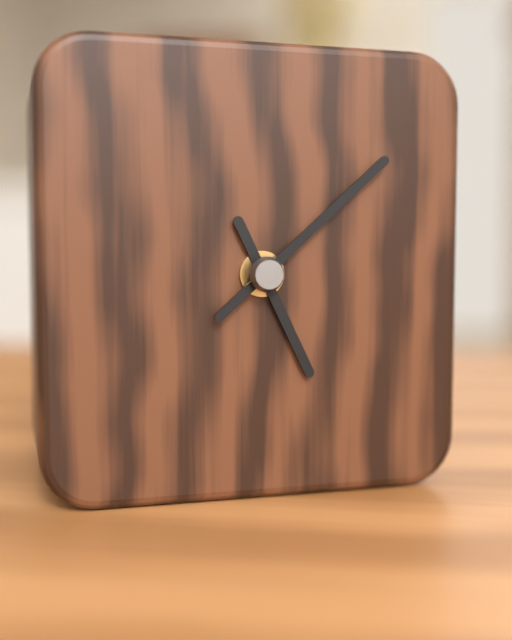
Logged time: 5,08
